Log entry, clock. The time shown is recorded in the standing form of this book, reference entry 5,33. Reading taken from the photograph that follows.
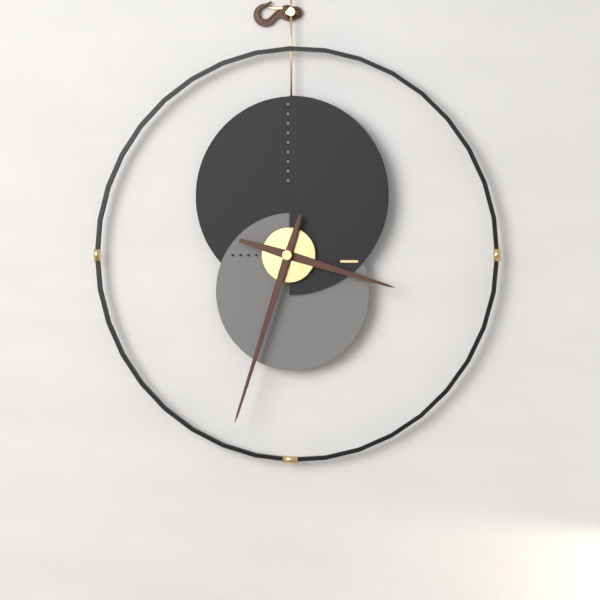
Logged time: 3,33
